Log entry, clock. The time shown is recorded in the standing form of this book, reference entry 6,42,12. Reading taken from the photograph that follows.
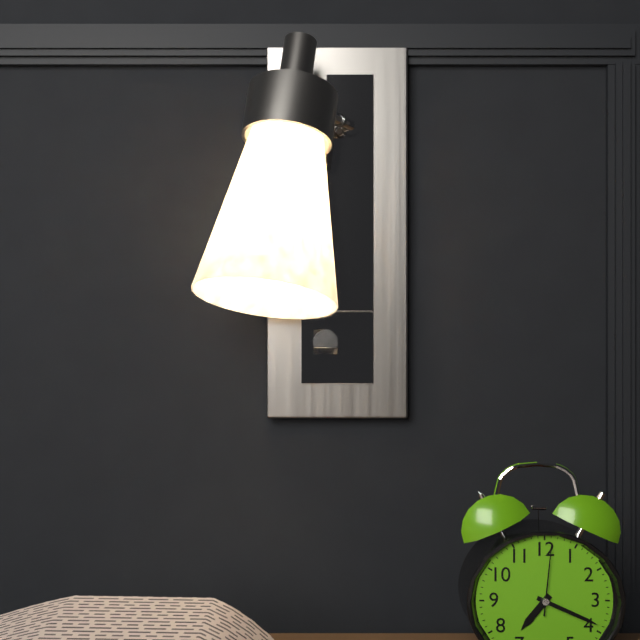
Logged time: 7,19,01
